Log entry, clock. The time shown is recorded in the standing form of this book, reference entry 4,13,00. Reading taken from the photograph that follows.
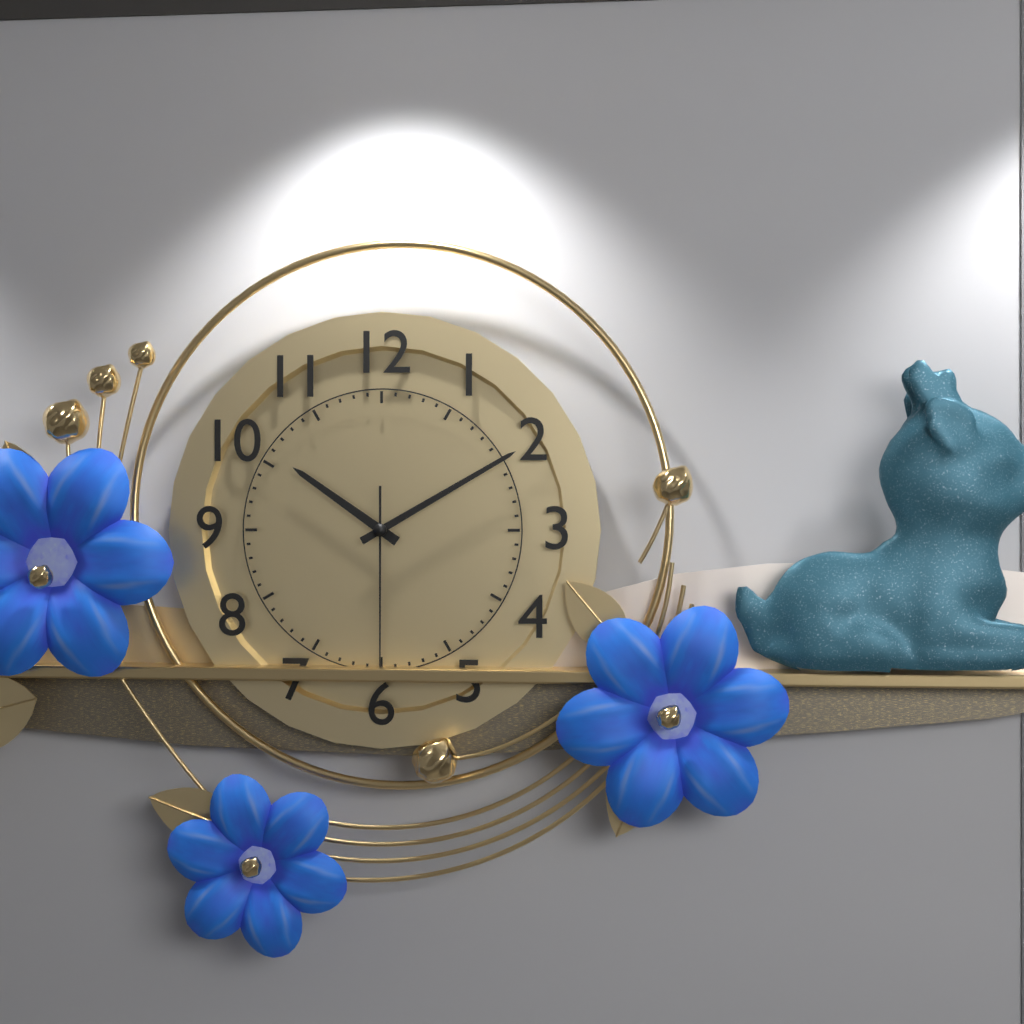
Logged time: 10,10,30
